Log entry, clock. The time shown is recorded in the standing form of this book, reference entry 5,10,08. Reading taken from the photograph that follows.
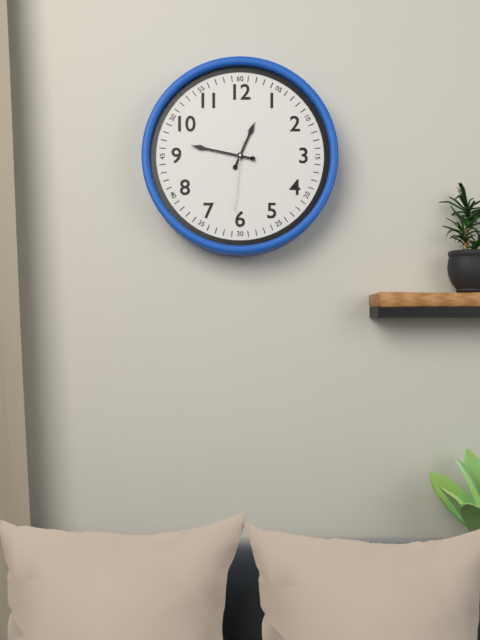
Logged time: 12,47,31
